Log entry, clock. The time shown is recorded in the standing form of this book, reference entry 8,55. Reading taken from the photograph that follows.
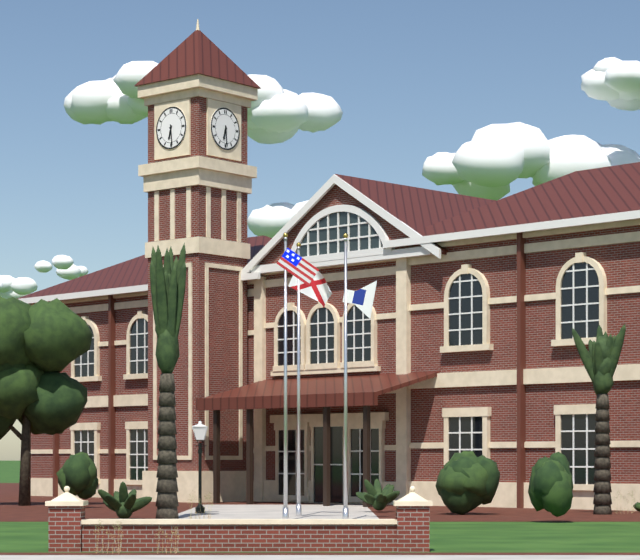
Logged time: 6,29
